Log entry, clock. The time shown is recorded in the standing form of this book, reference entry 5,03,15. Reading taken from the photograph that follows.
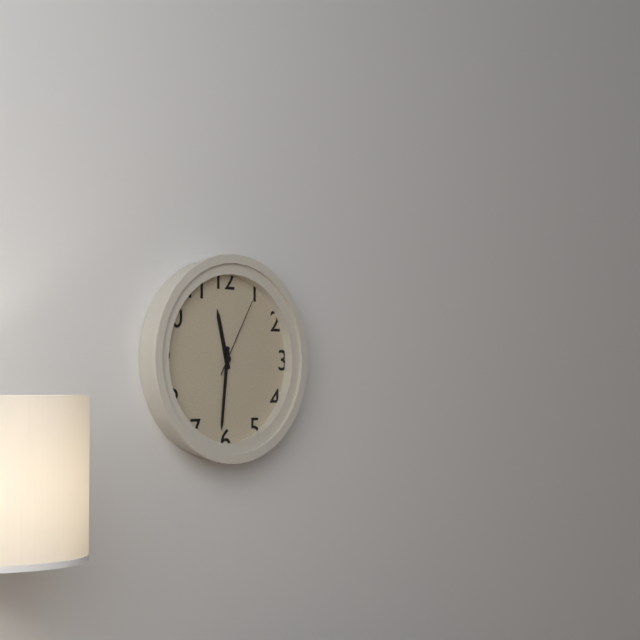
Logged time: 11,31,05
